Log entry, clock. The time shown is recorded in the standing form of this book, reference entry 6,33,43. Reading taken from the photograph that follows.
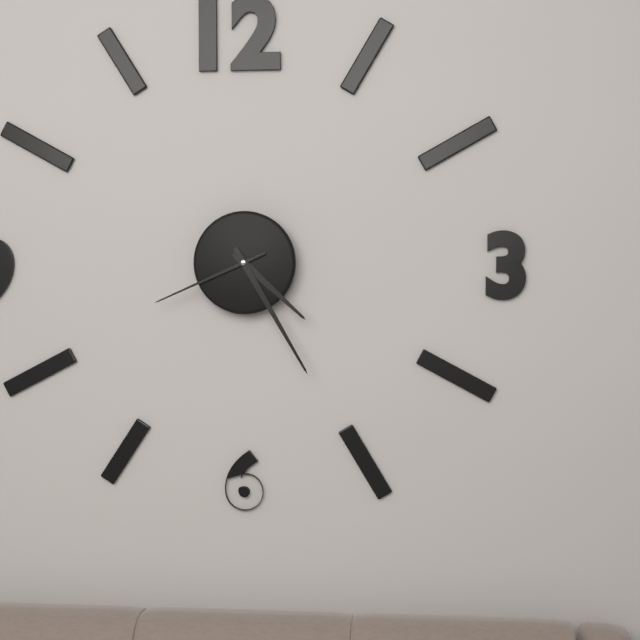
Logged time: 4,25,41
